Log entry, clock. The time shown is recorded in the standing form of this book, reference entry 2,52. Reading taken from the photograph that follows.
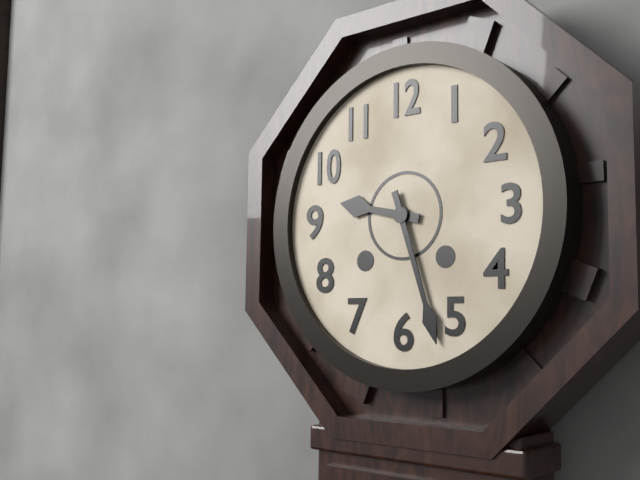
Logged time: 9,27
